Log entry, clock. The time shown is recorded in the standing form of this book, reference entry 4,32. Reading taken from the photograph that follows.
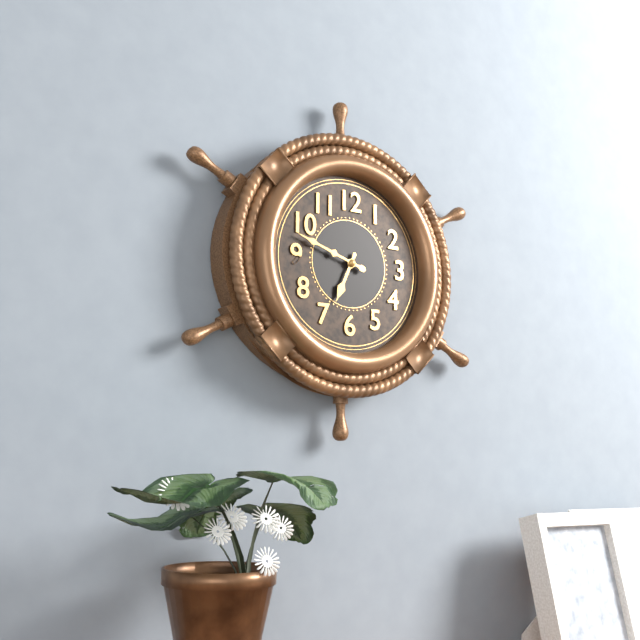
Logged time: 6,48
